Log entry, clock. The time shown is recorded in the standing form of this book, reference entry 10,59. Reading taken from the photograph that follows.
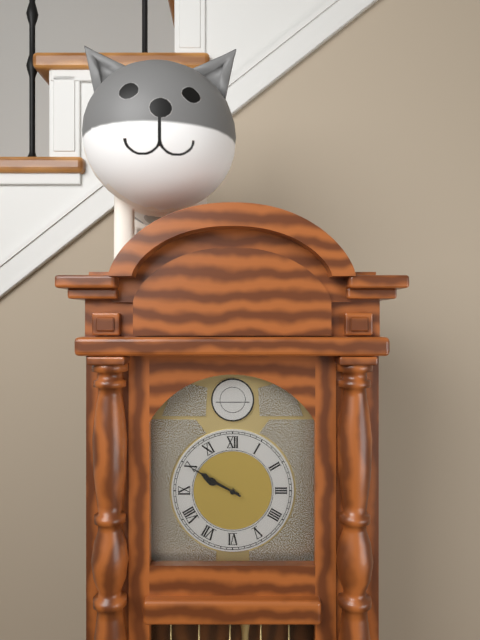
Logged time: 9,50
